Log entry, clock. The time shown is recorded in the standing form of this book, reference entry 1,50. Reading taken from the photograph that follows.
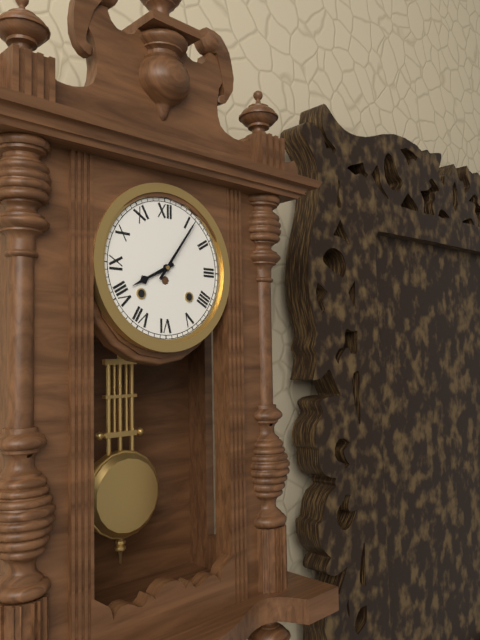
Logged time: 8,06
